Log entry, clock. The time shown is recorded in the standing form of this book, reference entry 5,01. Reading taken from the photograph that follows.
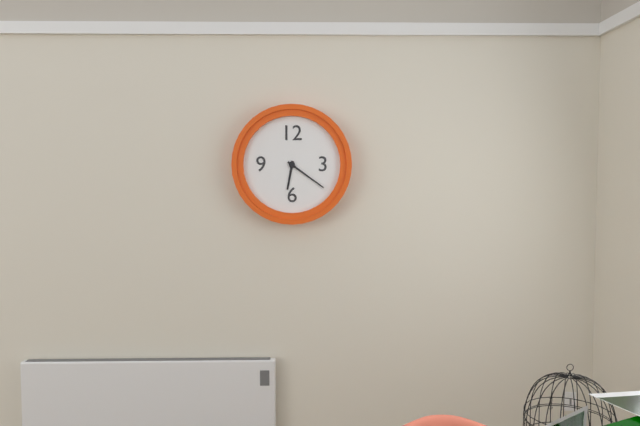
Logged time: 6,21
